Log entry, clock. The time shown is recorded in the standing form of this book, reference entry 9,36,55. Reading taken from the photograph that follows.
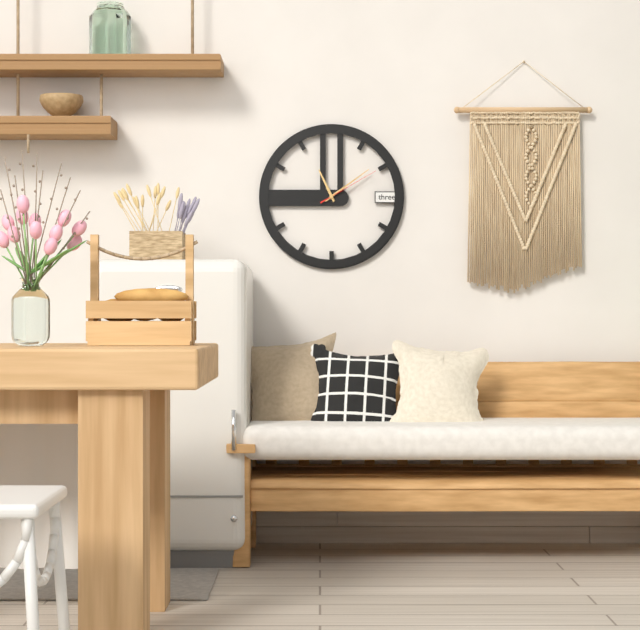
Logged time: 11,09,10
